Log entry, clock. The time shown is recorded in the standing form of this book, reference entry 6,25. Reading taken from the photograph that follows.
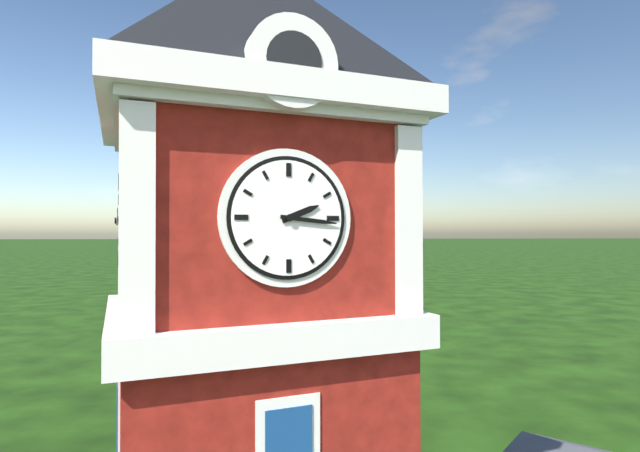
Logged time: 2,16
